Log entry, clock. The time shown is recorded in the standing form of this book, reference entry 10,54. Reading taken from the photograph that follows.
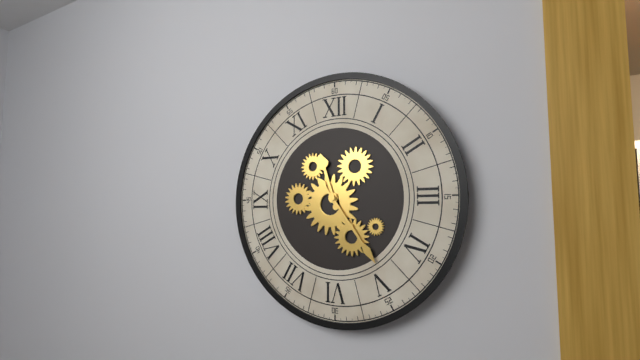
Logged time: 11,24
